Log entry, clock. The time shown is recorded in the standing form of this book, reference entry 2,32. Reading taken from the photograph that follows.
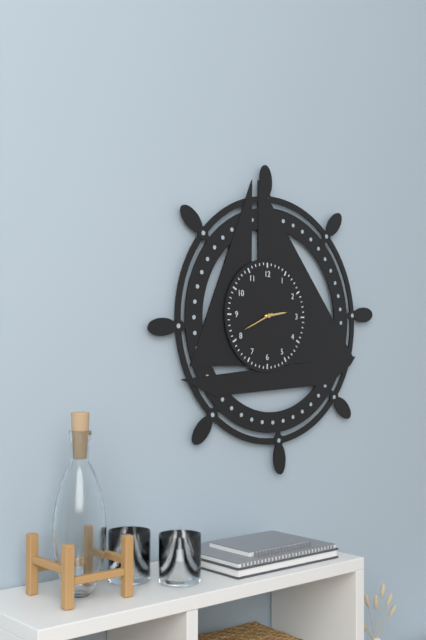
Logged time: 2,41
